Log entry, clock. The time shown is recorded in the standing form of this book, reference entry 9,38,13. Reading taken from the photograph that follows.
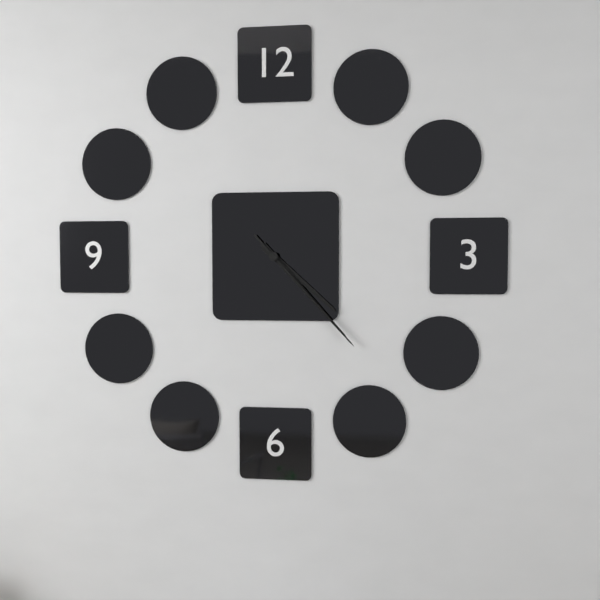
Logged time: 4,23,23
